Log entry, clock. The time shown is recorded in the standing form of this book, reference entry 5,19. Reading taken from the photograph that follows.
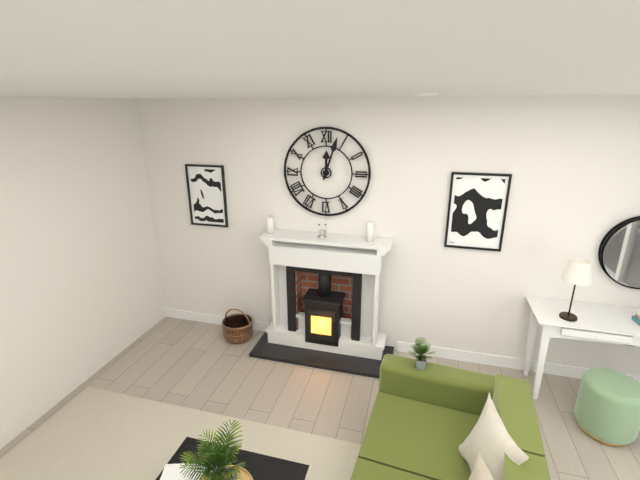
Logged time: 12,03
